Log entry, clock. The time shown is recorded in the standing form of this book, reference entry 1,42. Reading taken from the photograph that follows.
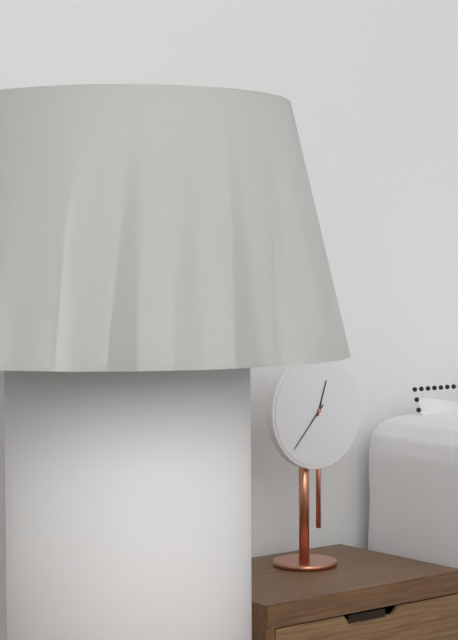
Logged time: 12,37
